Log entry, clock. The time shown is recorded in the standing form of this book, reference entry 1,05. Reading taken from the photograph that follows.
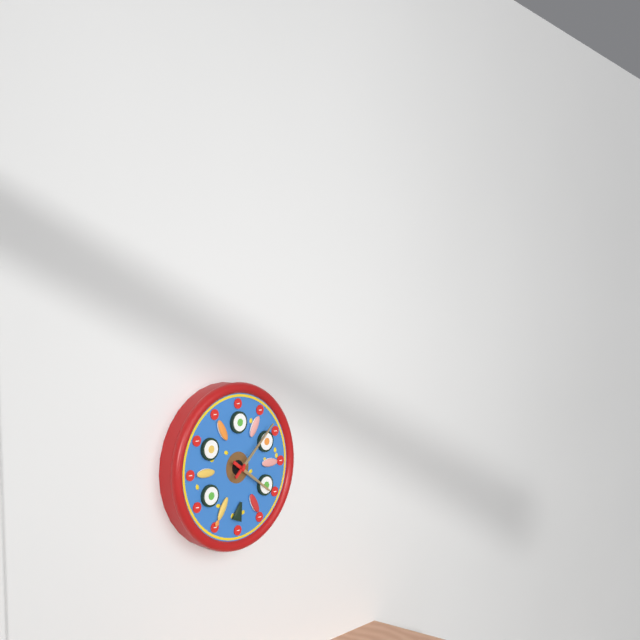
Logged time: 4,08
